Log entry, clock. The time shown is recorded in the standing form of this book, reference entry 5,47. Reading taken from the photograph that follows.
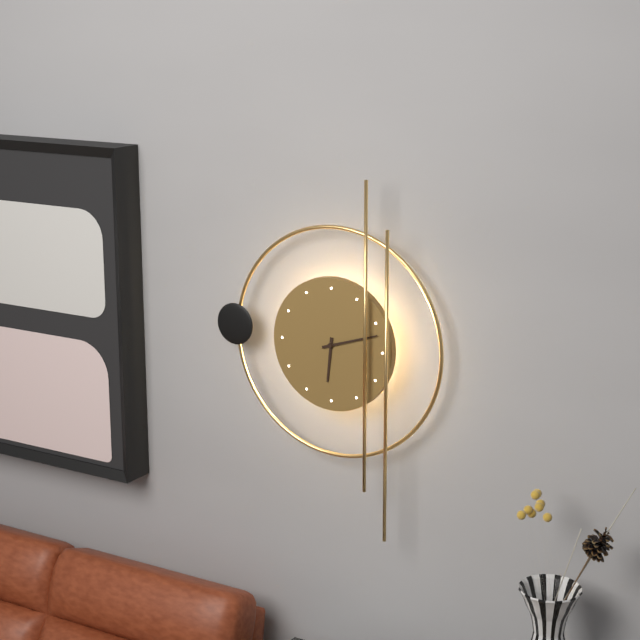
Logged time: 6,12
